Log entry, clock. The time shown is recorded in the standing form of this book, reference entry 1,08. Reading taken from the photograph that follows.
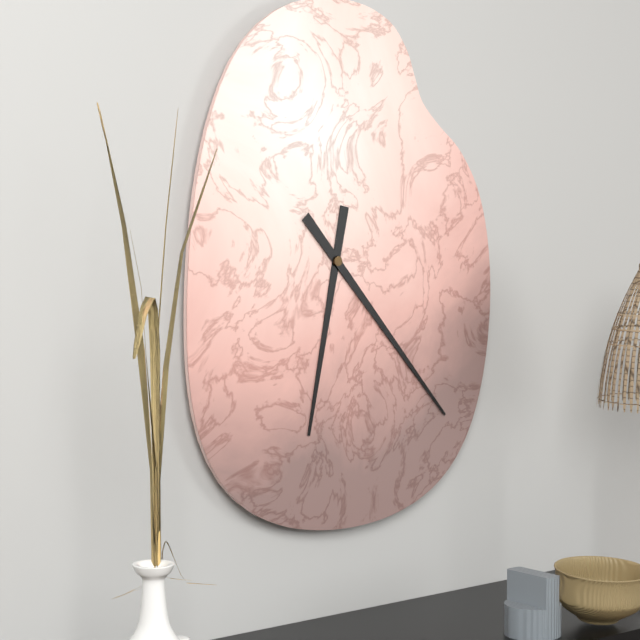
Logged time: 6,23
